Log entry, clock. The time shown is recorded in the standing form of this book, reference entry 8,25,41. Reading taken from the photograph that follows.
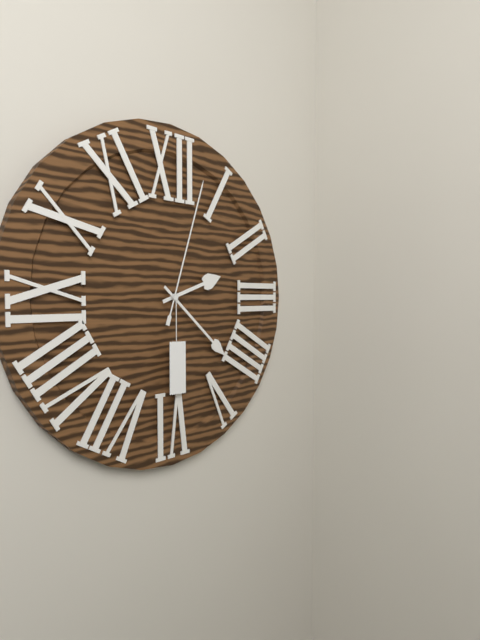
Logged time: 2,22,03
